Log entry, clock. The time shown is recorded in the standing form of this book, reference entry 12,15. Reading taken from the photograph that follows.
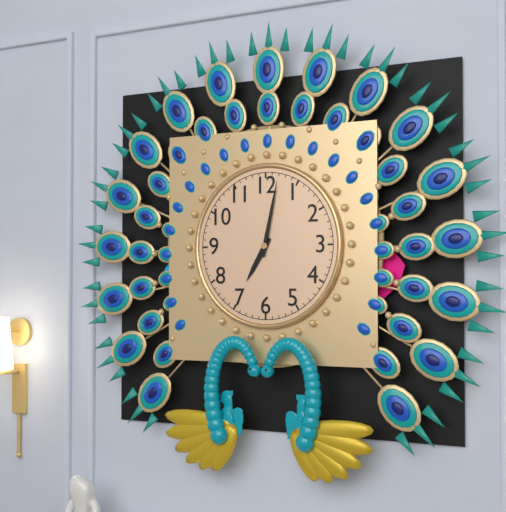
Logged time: 7,02
